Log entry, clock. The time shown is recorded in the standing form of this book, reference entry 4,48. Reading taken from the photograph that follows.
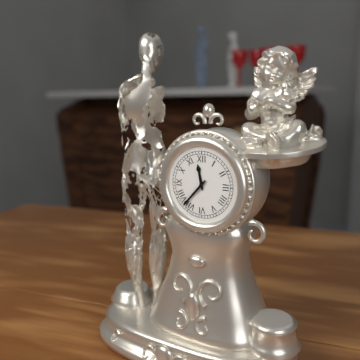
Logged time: 11,37
